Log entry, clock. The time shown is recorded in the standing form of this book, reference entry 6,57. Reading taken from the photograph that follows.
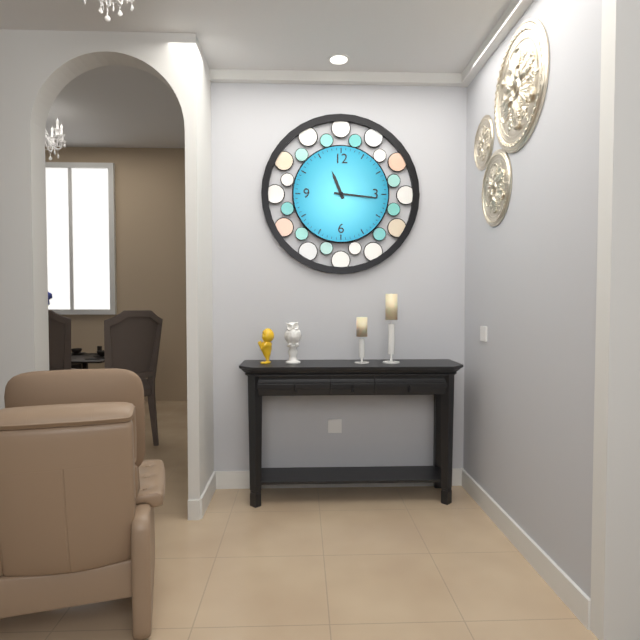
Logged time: 11,16
